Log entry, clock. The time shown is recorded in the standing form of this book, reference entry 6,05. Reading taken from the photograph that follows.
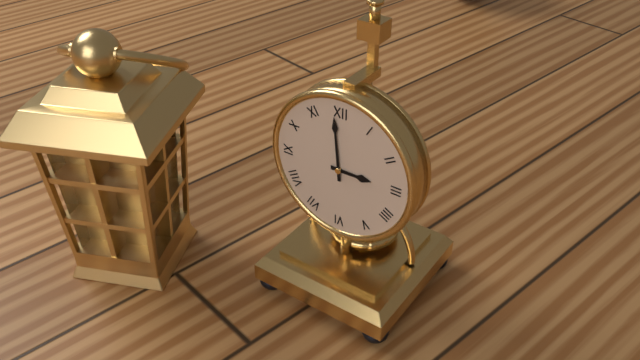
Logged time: 2,59
